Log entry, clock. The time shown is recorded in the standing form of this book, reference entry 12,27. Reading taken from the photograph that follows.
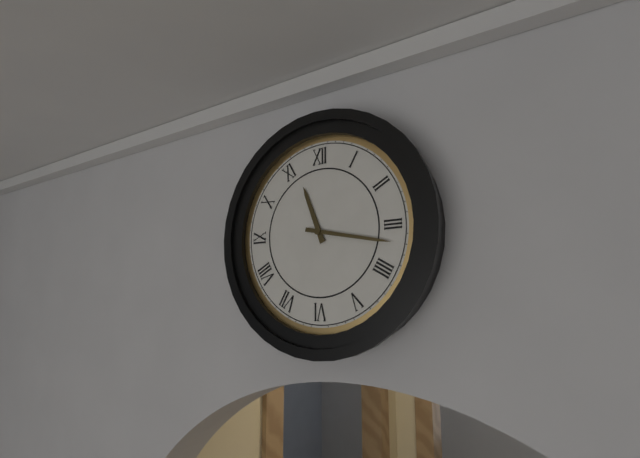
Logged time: 11,17
